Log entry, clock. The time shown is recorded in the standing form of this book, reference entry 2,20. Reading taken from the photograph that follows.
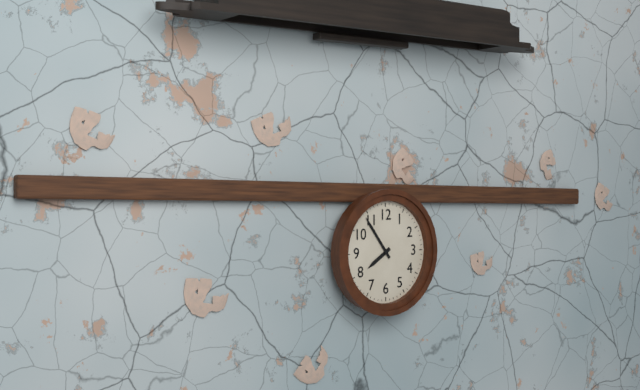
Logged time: 7,54
